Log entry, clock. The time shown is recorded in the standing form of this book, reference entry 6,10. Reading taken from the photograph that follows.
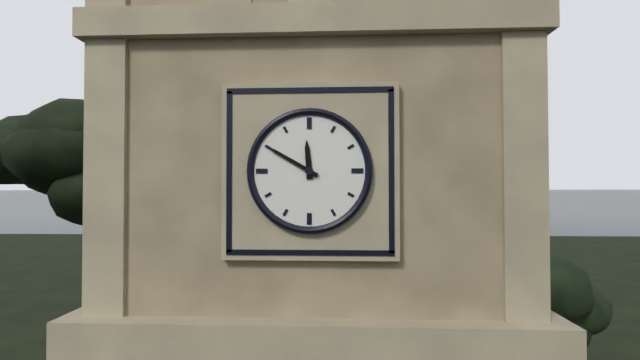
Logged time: 11,50
